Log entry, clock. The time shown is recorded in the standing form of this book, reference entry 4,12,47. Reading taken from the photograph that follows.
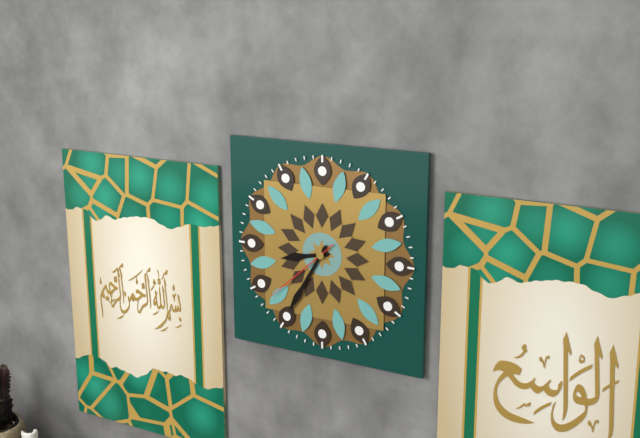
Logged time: 8,35,38
